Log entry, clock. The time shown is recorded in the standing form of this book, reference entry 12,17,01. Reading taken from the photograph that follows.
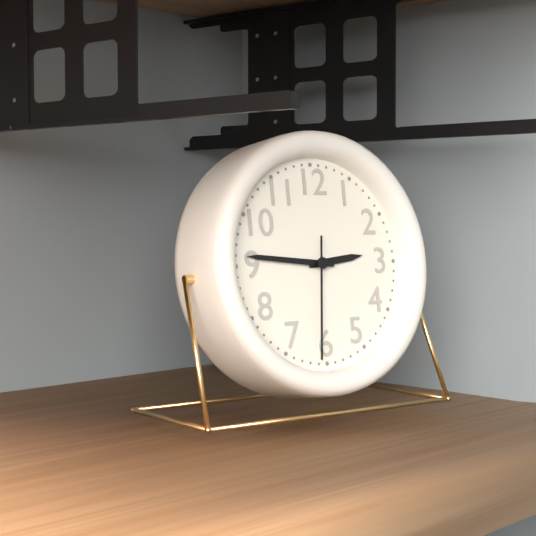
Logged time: 2,46,31
